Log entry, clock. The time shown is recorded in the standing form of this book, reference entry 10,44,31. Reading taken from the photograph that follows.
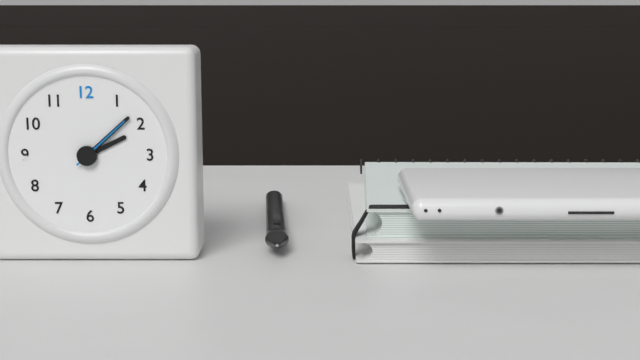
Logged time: 2,08,08
